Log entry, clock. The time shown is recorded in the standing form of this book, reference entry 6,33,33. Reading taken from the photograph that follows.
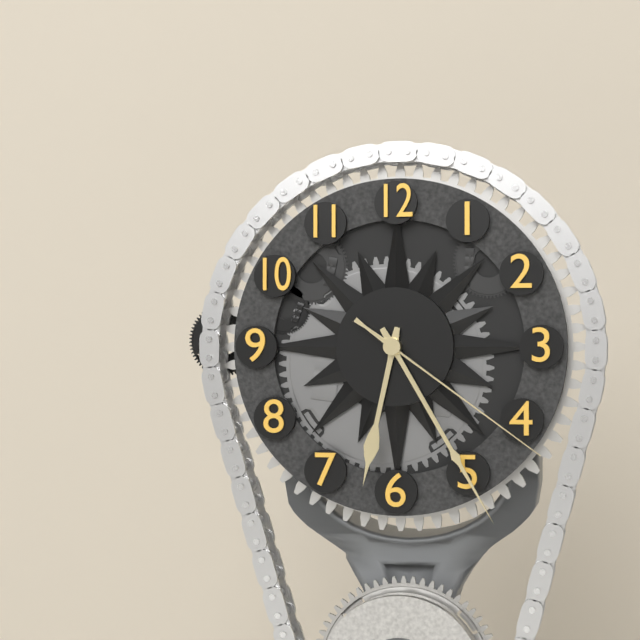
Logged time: 6,25,21
